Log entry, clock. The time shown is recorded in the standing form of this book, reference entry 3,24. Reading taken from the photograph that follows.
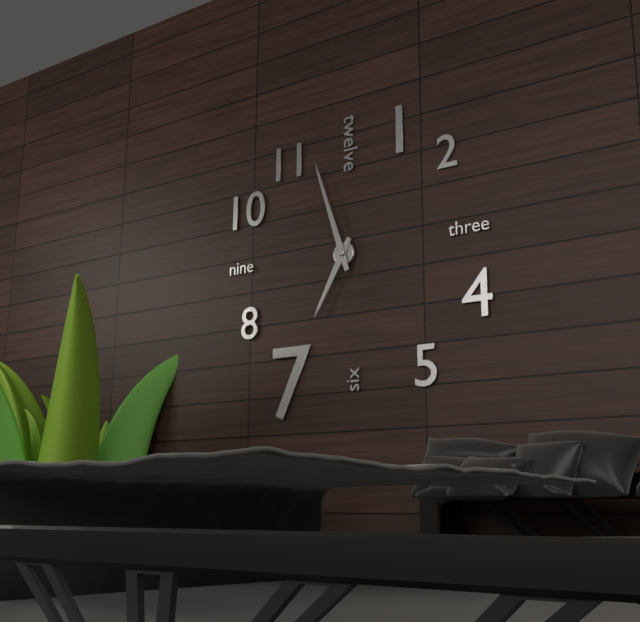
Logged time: 6,57
